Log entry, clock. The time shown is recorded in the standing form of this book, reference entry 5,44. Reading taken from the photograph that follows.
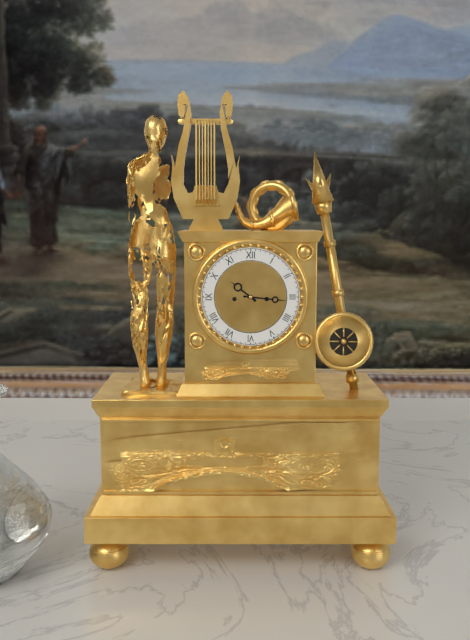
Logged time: 10,16
